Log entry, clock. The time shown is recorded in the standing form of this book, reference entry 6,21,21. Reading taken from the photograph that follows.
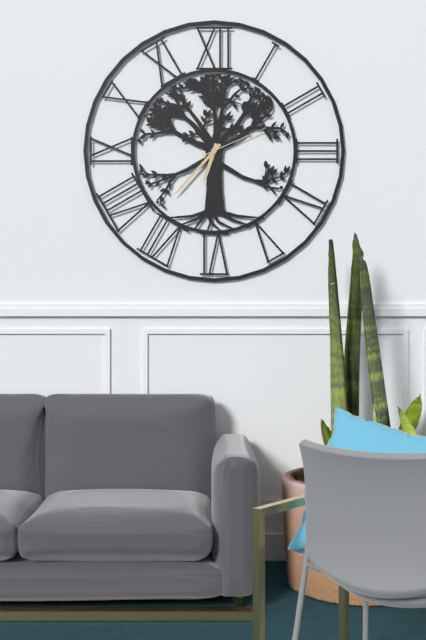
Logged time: 6,37,11
